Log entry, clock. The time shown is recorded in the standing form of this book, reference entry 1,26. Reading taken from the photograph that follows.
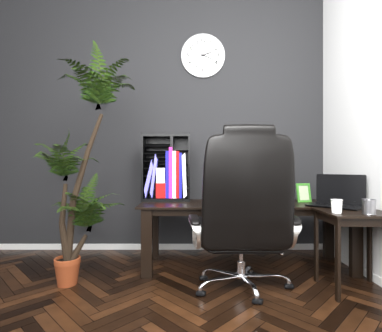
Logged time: 2,19
